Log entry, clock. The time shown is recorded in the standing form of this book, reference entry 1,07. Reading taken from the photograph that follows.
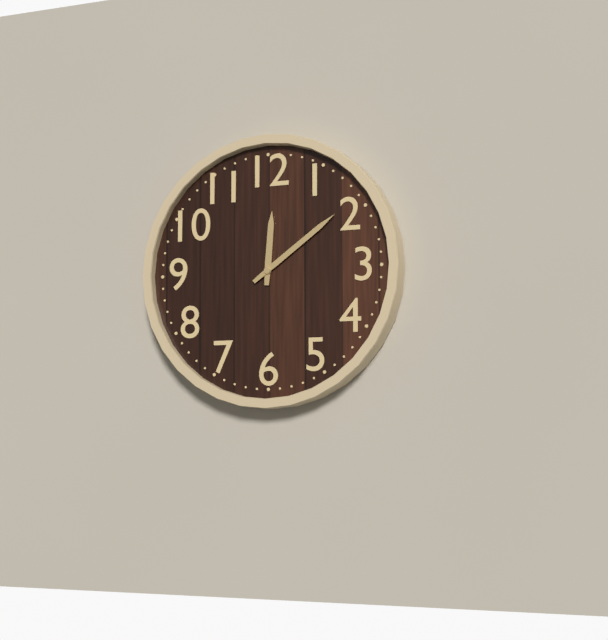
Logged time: 12,09
